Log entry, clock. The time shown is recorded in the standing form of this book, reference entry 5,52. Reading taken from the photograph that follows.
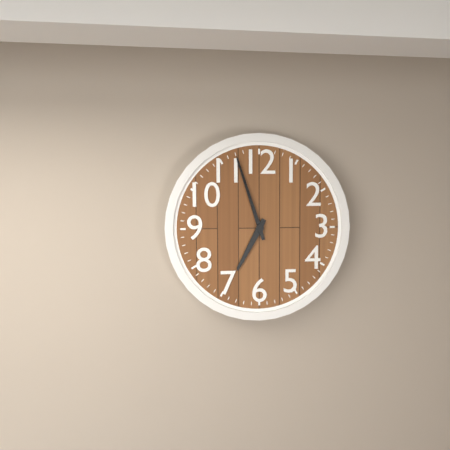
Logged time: 6,57
